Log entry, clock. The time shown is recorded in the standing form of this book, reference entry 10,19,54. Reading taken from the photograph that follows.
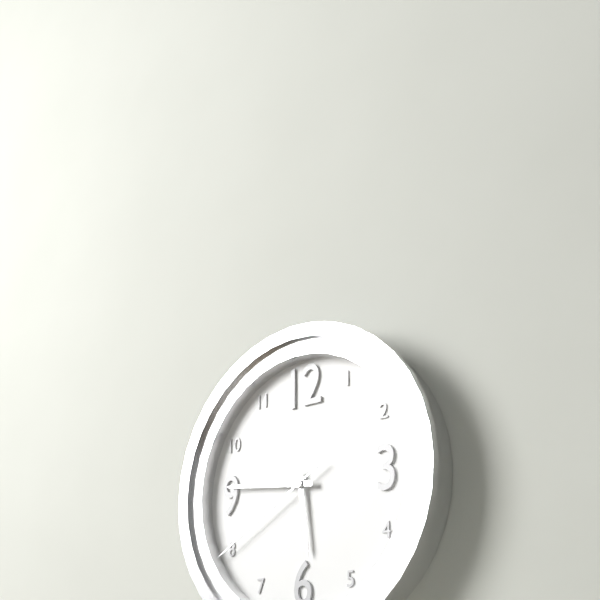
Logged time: 5,46,40
